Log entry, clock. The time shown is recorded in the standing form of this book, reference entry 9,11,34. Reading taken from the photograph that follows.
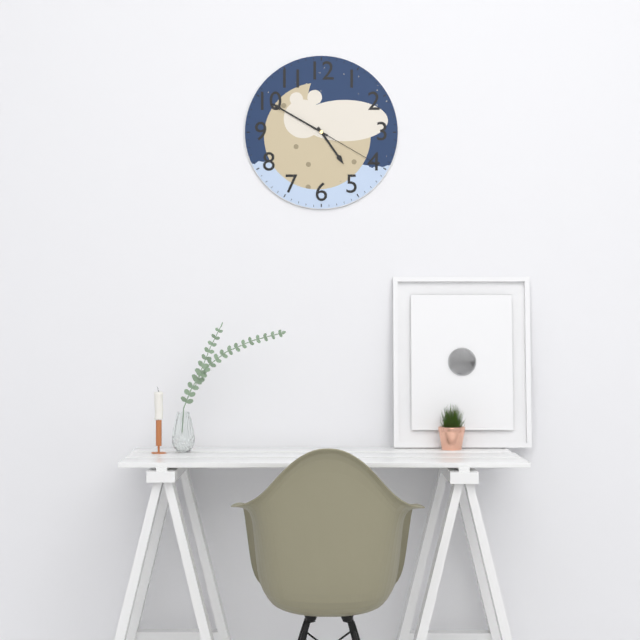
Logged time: 4,50,20
